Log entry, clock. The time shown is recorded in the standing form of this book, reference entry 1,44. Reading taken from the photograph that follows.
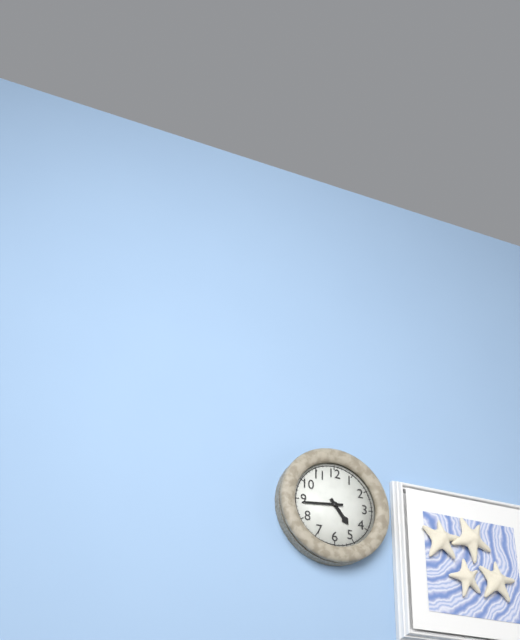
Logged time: 4,44
